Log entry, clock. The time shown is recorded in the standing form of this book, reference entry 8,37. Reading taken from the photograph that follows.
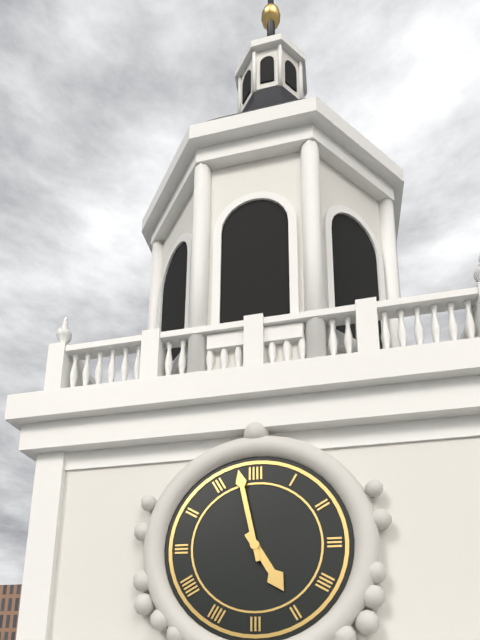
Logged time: 4,58
